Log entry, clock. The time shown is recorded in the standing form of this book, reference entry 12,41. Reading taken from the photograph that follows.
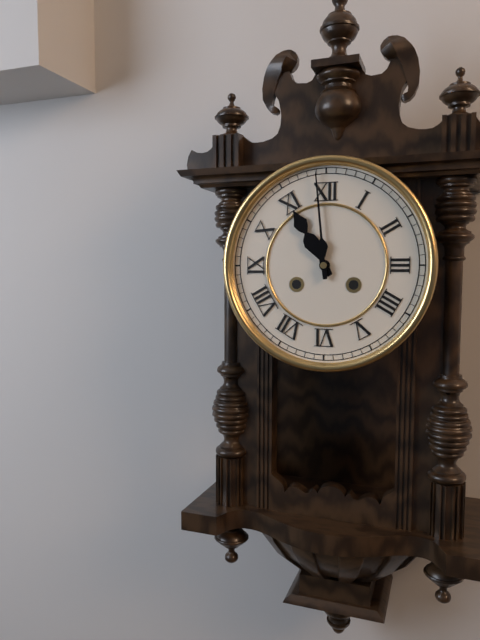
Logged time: 10,59
